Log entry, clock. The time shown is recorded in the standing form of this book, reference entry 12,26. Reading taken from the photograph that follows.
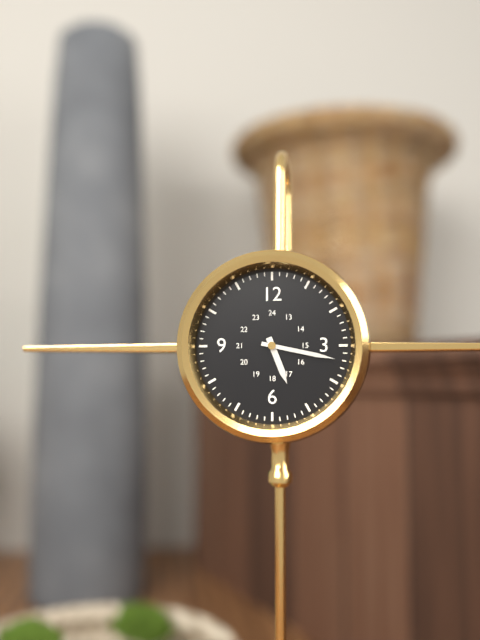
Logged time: 5,17
